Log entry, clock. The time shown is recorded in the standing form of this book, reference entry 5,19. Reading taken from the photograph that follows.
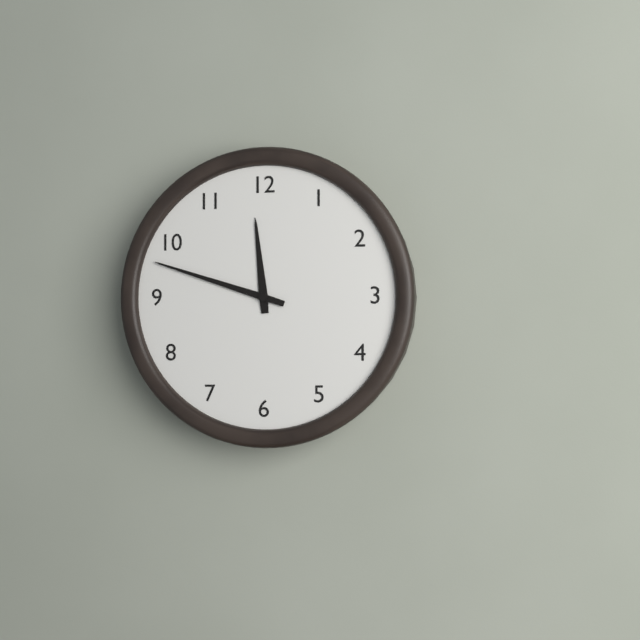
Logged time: 11,48
